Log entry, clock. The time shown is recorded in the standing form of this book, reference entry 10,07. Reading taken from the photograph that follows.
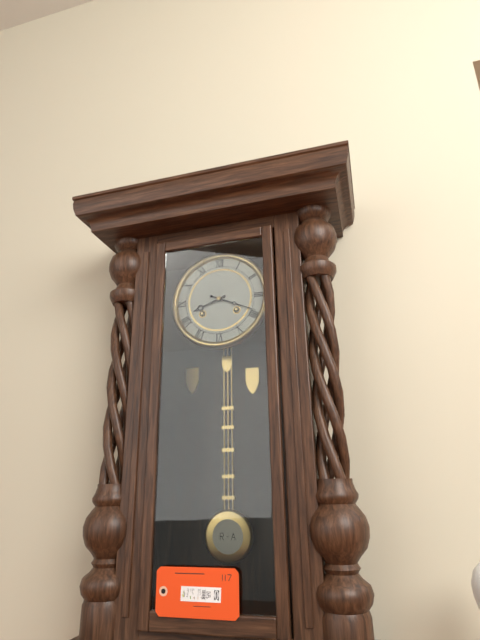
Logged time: 8,19
